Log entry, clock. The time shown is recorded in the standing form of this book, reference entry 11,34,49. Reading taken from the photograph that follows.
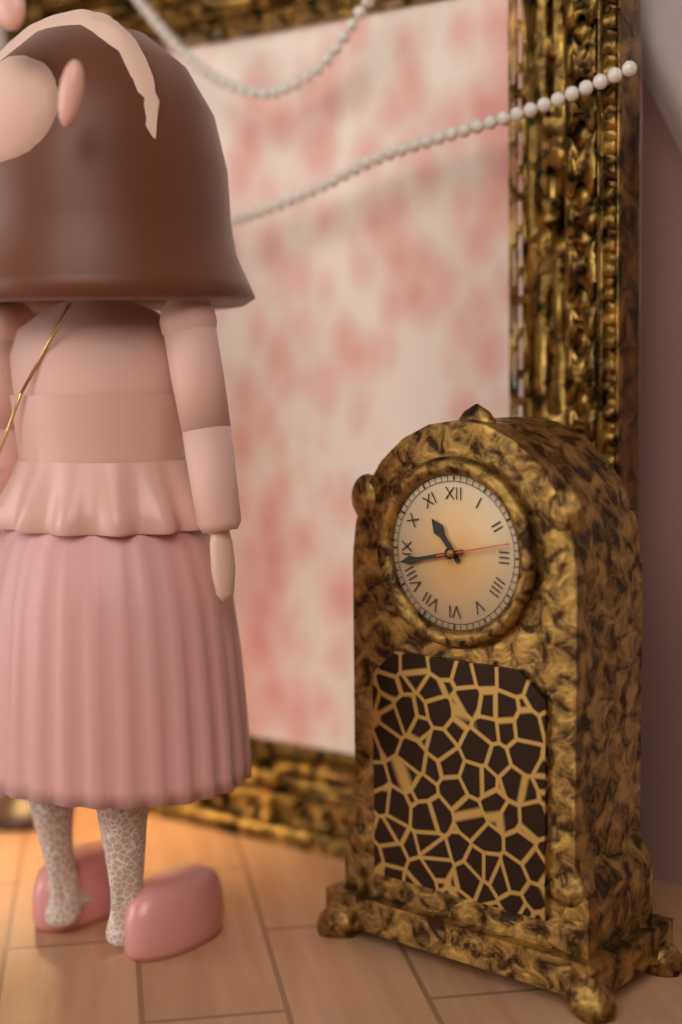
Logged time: 10,43,13
